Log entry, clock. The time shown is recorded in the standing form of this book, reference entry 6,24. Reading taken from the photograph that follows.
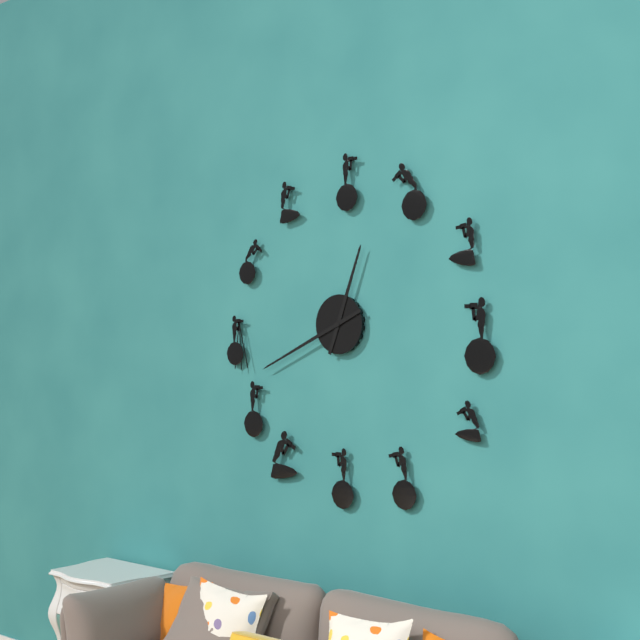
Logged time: 12,41
